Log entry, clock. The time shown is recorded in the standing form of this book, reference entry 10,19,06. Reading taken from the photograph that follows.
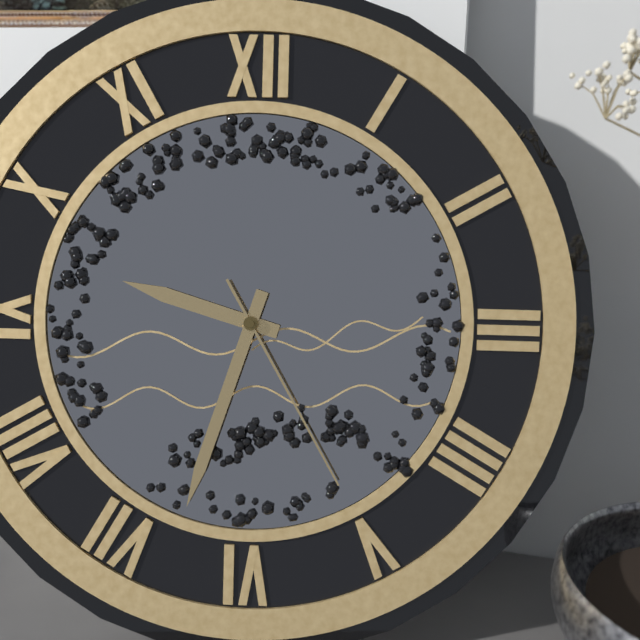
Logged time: 9,33,25
